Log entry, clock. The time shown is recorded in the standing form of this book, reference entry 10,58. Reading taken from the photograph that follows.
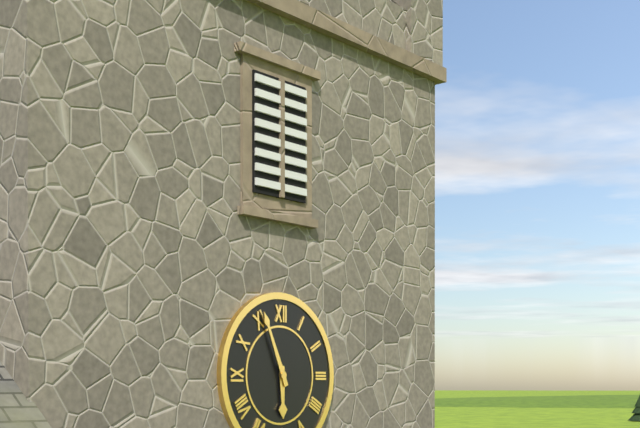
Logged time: 5,56
